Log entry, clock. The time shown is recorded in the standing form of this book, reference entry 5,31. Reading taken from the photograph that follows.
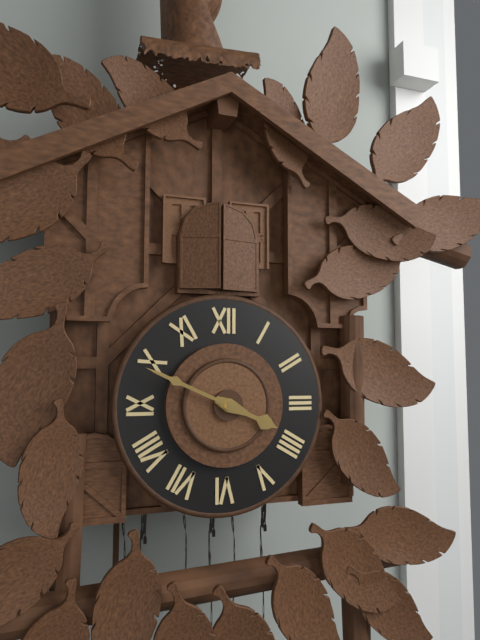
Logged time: 3,49
